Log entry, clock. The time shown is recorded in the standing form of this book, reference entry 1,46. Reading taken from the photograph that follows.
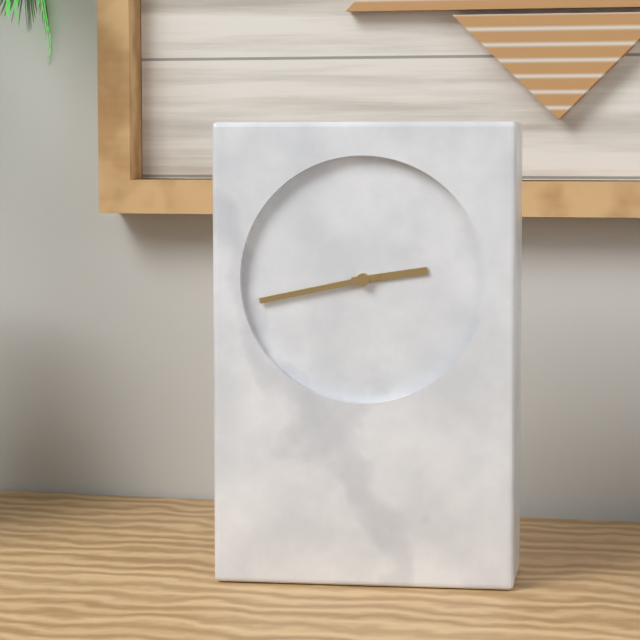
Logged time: 2,43
